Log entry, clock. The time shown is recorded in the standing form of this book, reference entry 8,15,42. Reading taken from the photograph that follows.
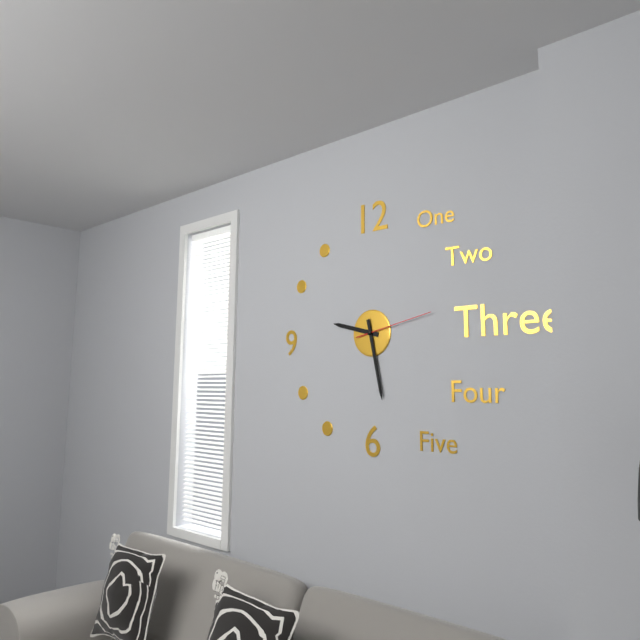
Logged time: 9,28,13
